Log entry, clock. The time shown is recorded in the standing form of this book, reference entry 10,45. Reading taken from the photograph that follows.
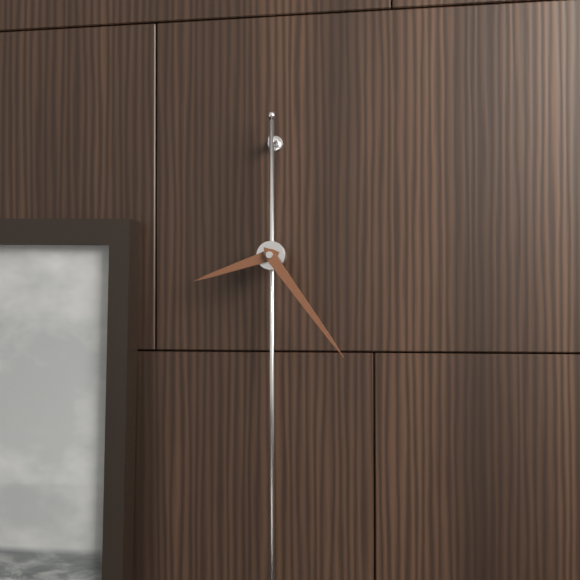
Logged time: 8,24
